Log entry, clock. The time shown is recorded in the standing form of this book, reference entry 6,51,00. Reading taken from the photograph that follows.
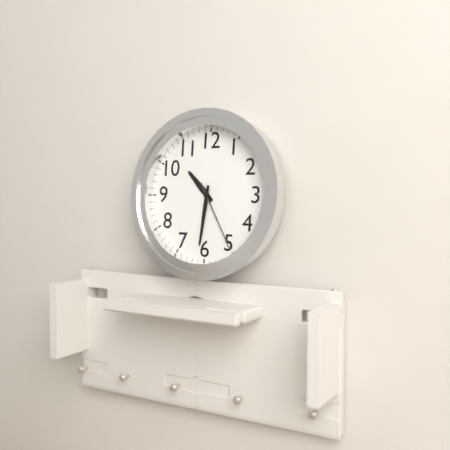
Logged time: 10,31,25
